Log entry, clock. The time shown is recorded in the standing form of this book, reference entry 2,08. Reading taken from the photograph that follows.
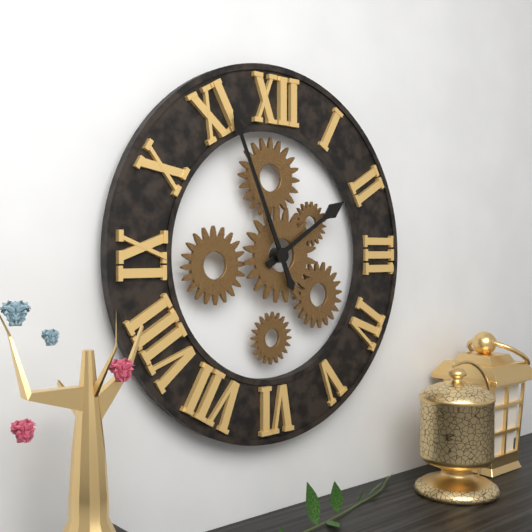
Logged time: 1,56
